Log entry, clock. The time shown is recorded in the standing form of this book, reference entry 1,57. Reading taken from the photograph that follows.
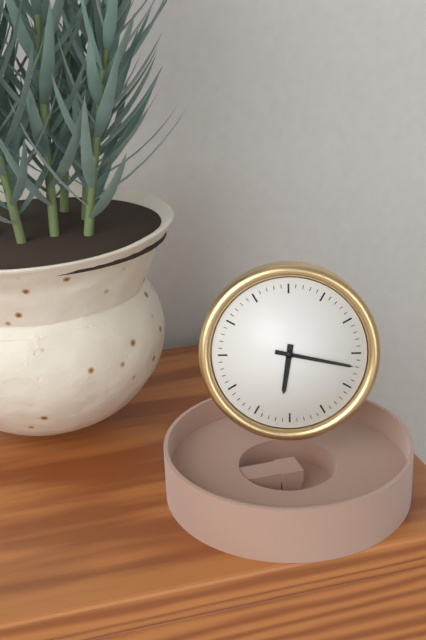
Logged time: 6,17
